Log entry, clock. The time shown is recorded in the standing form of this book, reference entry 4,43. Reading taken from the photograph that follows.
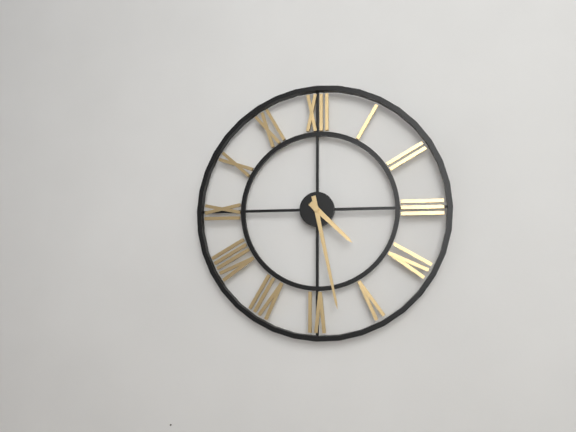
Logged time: 4,28
